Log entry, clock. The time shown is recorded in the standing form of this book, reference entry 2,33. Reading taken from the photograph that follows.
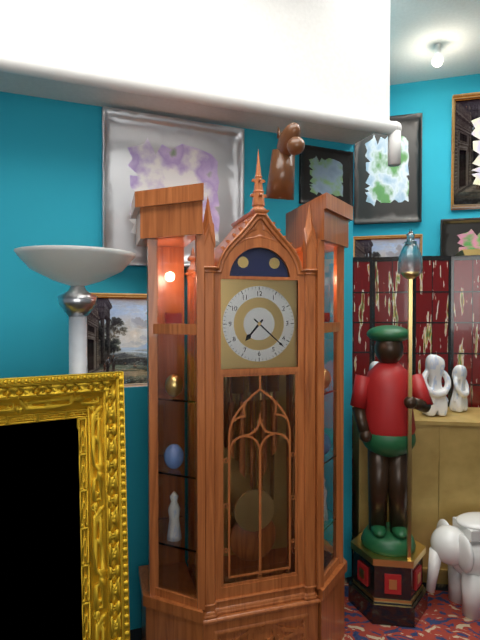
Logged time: 7,22
